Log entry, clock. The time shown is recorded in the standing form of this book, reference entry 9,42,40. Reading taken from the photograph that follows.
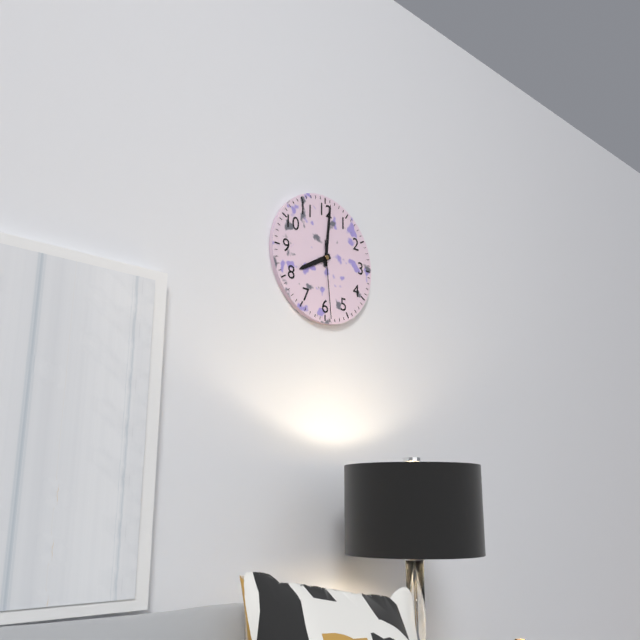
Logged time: 8,01,29
